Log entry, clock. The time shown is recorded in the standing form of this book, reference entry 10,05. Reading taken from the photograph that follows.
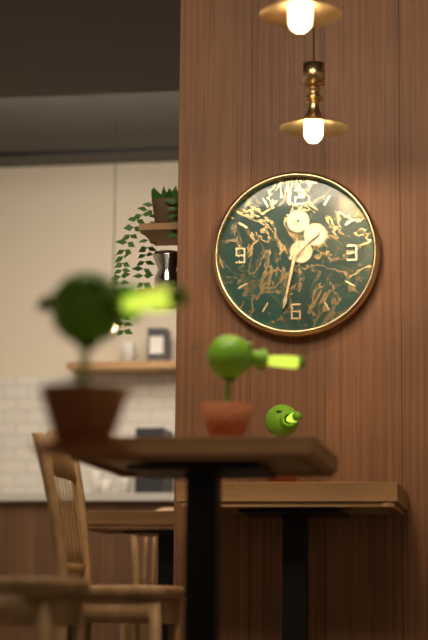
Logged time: 1,32
